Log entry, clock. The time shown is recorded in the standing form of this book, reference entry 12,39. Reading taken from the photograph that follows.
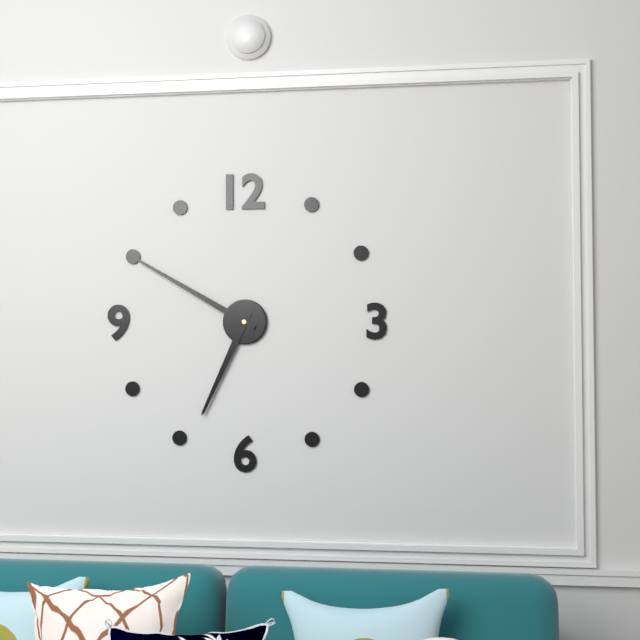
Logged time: 6,50
